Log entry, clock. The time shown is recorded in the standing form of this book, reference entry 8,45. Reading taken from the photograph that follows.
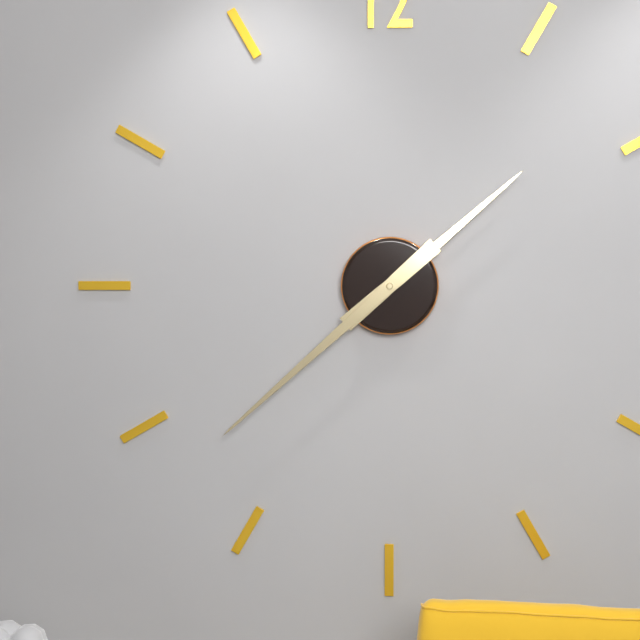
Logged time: 1,38
